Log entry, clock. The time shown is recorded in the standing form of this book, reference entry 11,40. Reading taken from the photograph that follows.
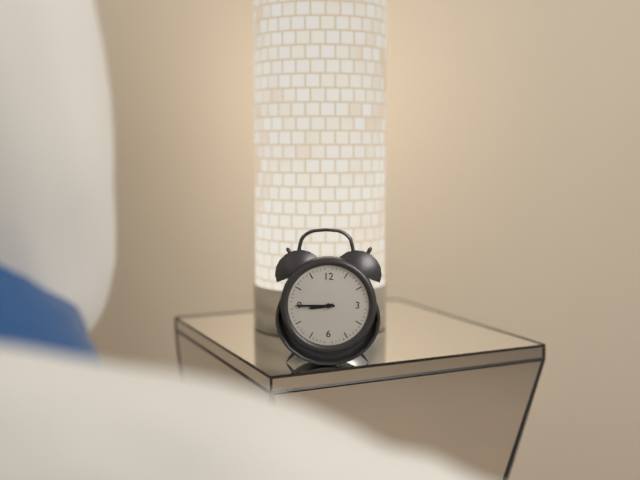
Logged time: 8,45
